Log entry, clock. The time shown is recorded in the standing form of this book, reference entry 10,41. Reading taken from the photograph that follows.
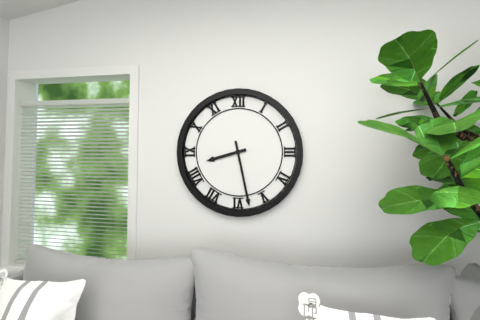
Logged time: 8,28
